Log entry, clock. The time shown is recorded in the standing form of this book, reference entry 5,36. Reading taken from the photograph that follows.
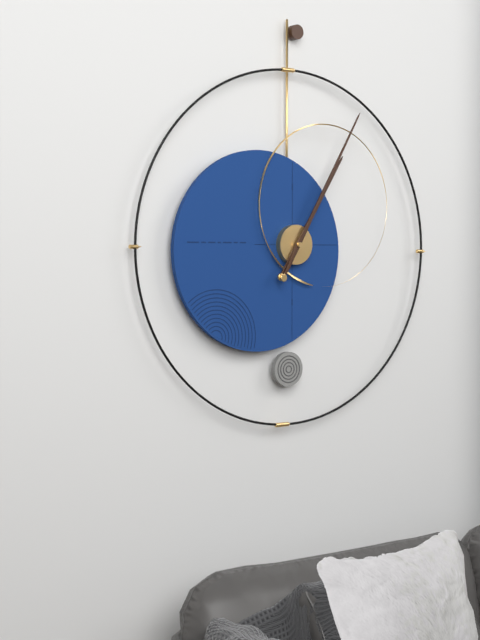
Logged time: 1,05
